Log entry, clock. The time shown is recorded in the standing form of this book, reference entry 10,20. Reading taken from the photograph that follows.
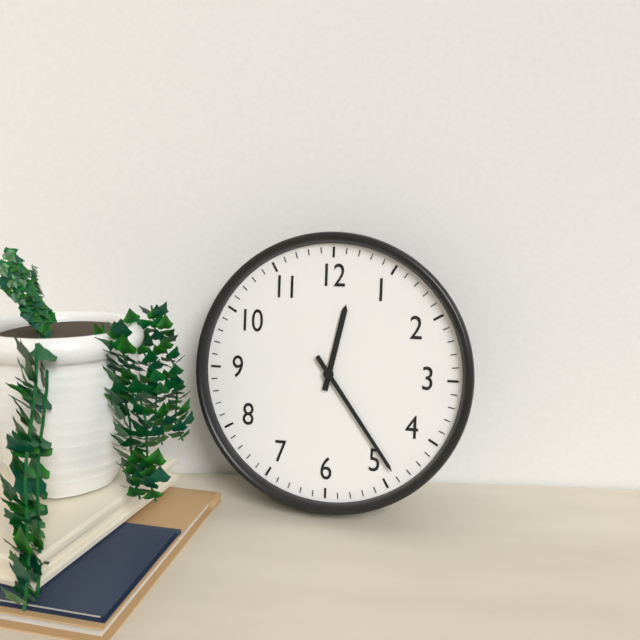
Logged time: 12,24
